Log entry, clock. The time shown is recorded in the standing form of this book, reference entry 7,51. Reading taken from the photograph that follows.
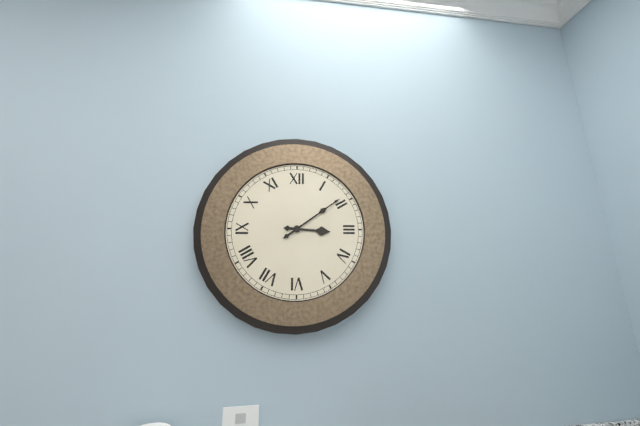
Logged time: 3,09
